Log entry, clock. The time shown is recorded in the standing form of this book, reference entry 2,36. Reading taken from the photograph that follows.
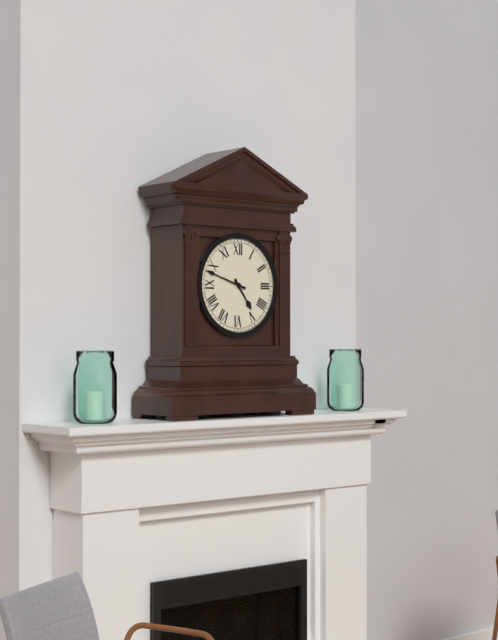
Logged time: 4,48
